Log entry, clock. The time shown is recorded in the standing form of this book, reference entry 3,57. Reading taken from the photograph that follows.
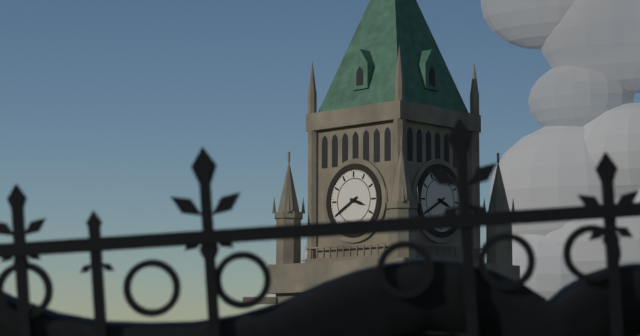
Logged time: 3,40
